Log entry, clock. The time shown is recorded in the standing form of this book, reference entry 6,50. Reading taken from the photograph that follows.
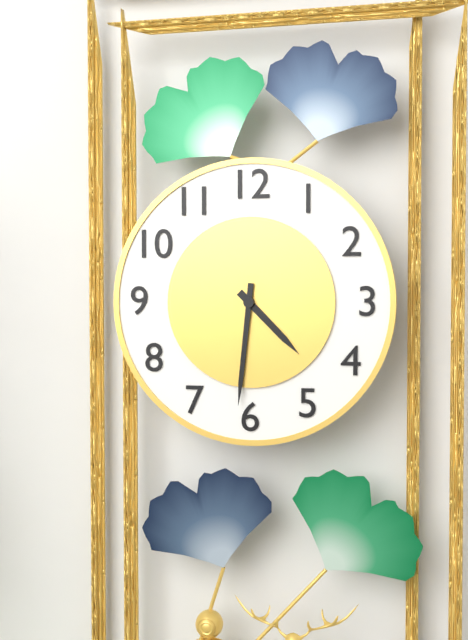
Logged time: 4,31
